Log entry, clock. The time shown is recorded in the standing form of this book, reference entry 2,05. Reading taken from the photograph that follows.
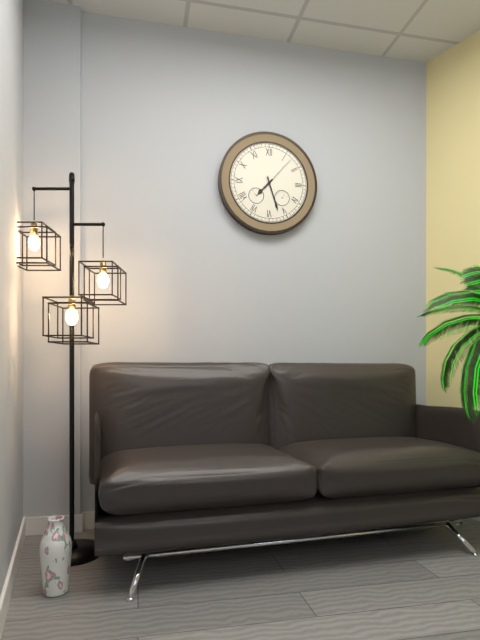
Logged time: 7,27
